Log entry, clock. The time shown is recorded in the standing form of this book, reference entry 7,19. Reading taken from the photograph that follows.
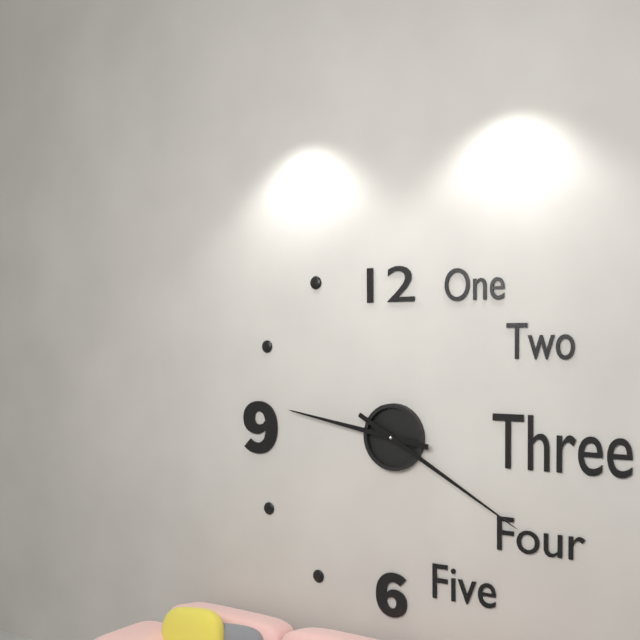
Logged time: 9,20
